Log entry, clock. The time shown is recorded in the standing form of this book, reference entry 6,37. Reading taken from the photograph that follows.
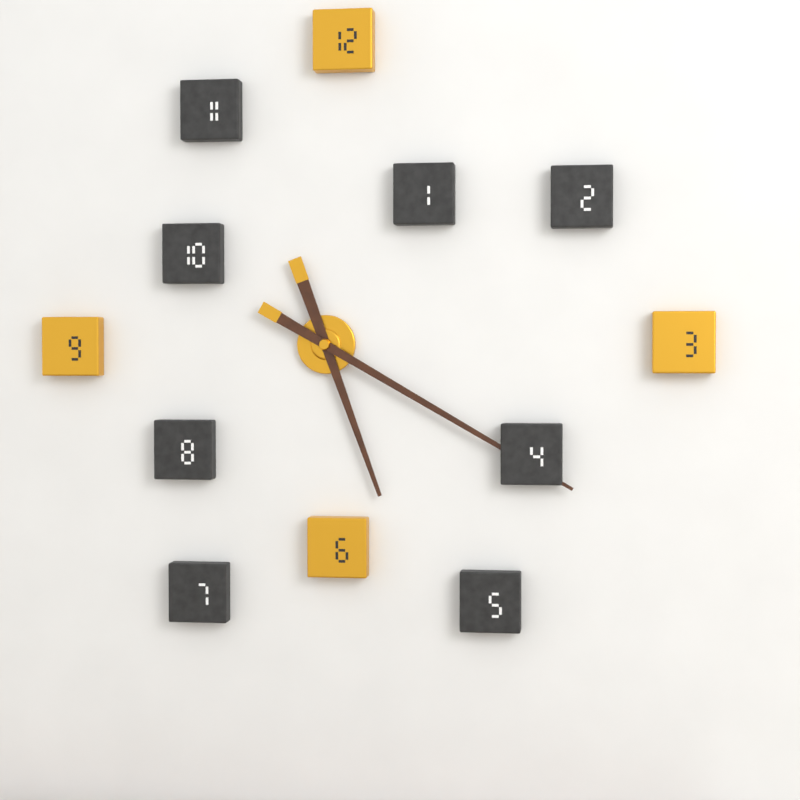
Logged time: 5,20
